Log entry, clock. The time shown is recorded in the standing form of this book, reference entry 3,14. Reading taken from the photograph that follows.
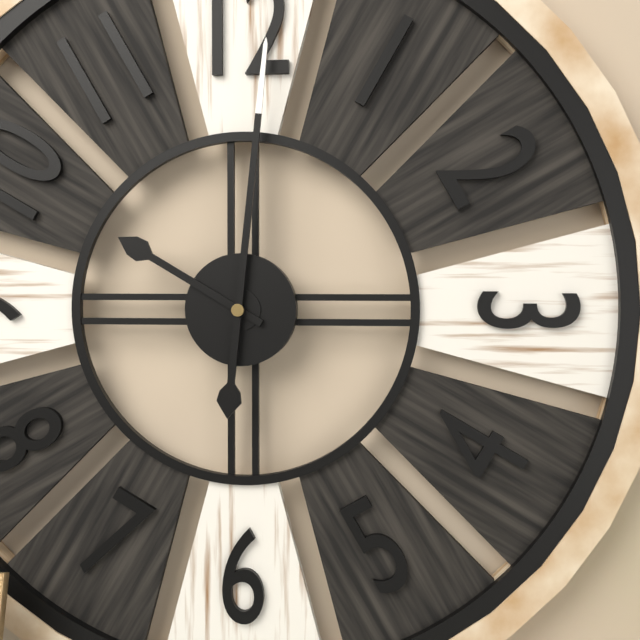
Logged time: 10,01
